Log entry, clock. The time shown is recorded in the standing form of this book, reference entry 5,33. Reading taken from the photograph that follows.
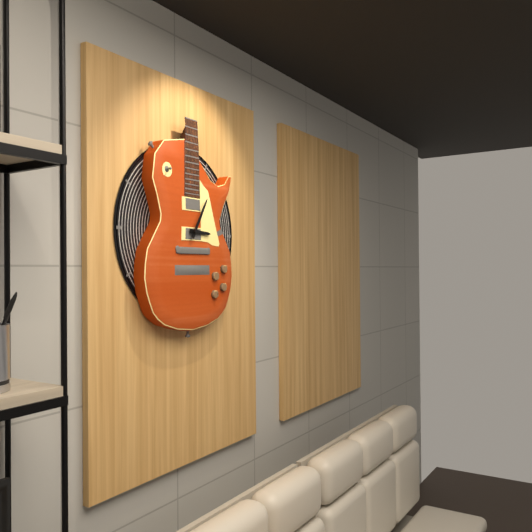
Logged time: 3,05
